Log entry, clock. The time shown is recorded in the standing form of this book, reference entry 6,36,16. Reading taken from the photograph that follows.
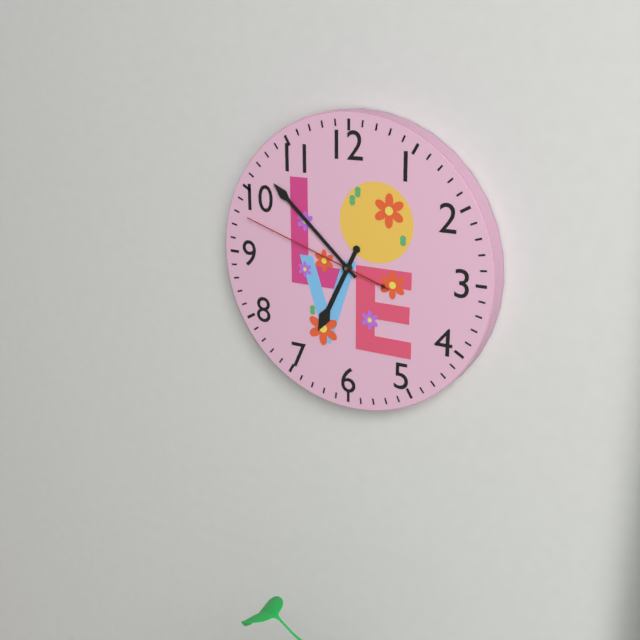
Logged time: 6,52,48
